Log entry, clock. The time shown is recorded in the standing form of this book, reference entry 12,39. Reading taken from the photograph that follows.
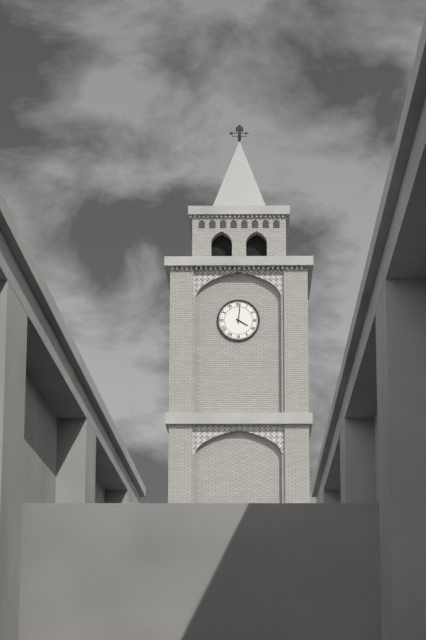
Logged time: 4,01
